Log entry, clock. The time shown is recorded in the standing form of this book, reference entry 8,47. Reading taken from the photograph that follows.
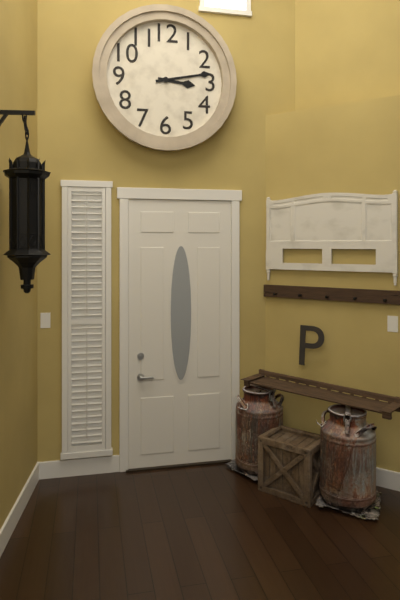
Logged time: 3,13
